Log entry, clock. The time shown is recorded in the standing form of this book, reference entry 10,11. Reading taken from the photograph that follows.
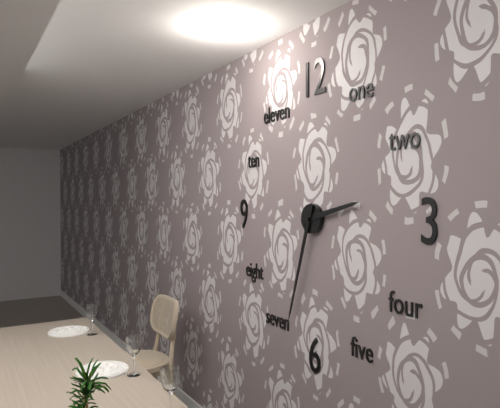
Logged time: 2,33
